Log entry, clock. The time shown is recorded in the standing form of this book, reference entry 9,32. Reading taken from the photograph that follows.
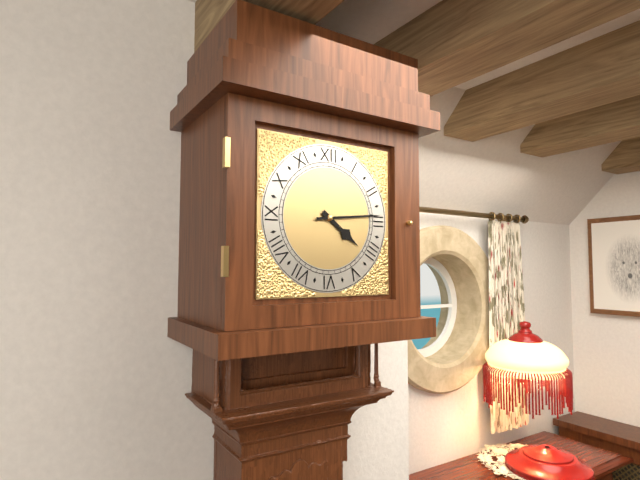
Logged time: 4,14
